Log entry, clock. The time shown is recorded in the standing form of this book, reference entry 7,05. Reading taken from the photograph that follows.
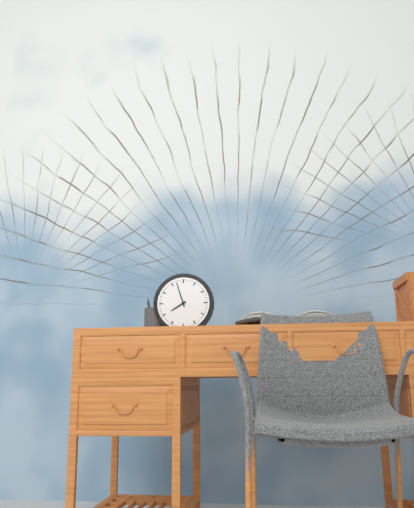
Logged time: 7,57
